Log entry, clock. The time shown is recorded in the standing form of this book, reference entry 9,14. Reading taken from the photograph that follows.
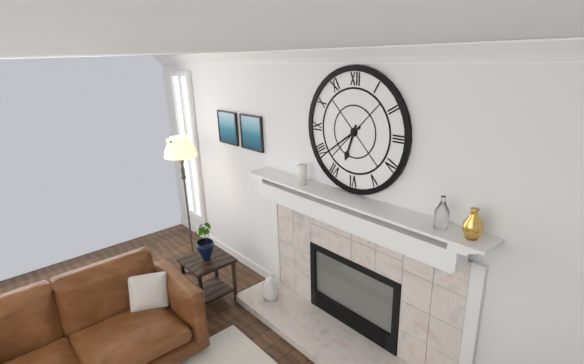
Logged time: 6,39
